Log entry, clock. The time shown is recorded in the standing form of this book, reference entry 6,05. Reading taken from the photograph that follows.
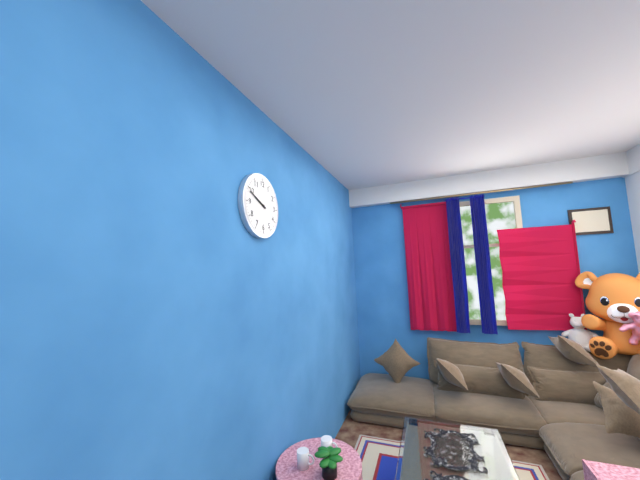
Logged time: 9,49
